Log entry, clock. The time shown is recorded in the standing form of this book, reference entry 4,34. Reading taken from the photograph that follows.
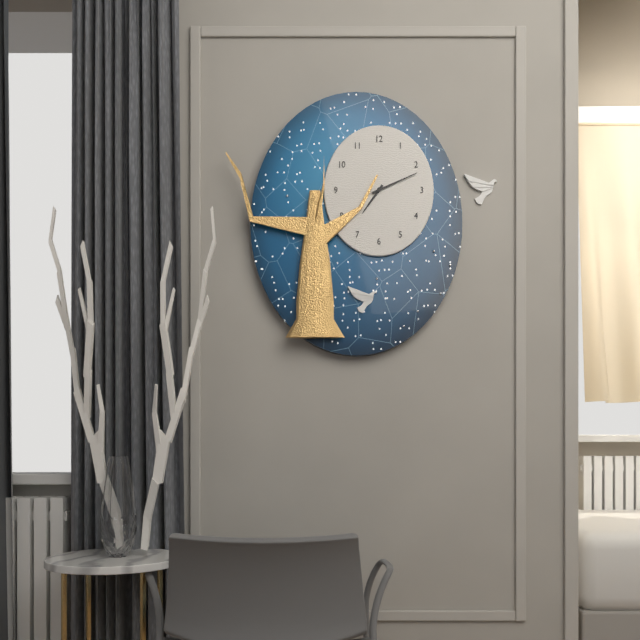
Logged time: 7,11
